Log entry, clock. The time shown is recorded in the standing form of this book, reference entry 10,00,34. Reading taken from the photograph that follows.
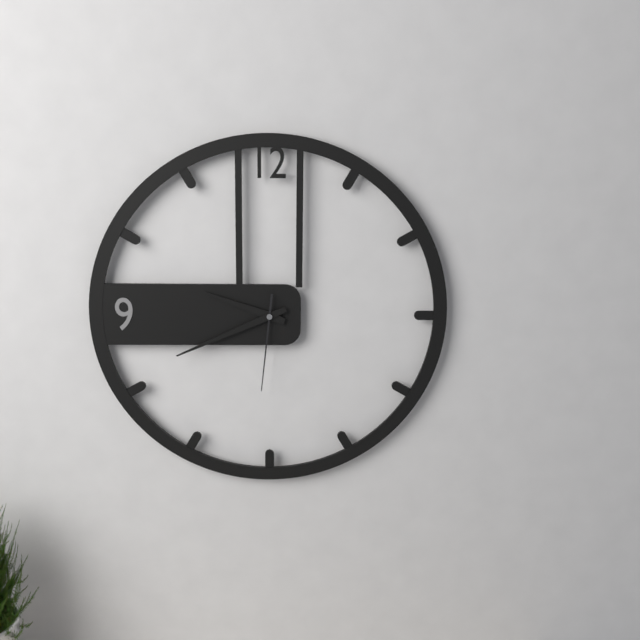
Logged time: 9,41,31
